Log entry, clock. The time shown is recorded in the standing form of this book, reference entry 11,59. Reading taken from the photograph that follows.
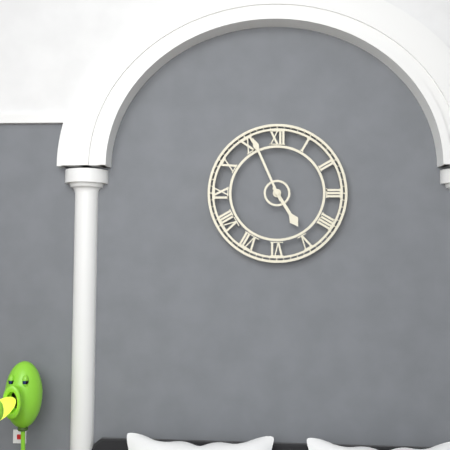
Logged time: 4,56
